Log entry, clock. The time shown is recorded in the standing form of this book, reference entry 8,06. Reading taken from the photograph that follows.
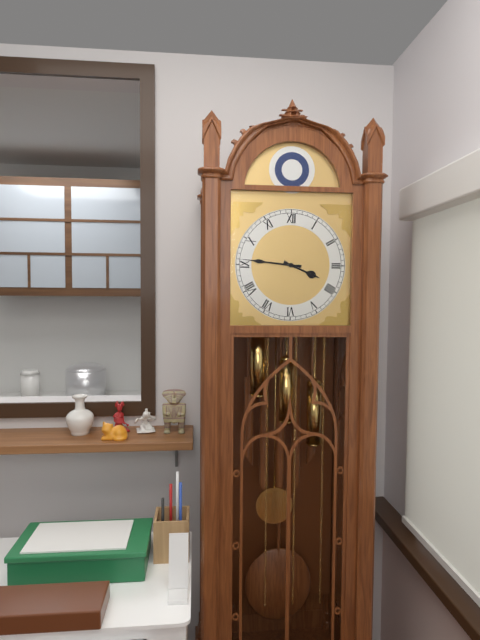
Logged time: 3,46
